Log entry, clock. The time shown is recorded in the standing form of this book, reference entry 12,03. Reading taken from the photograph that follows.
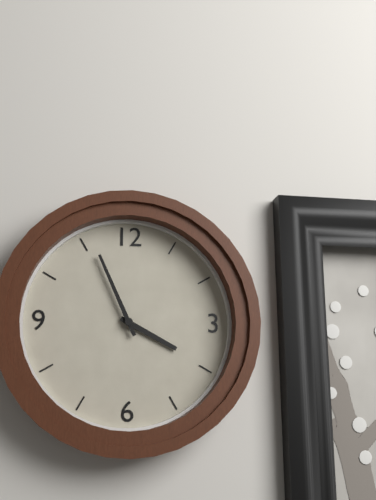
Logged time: 3,56
